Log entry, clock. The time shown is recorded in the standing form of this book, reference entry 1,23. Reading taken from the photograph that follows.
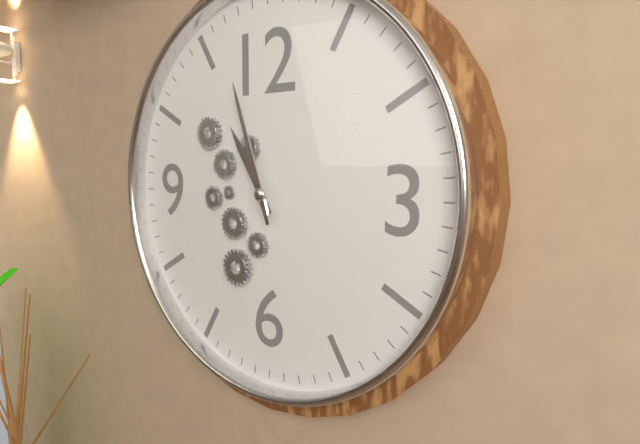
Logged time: 10,57
